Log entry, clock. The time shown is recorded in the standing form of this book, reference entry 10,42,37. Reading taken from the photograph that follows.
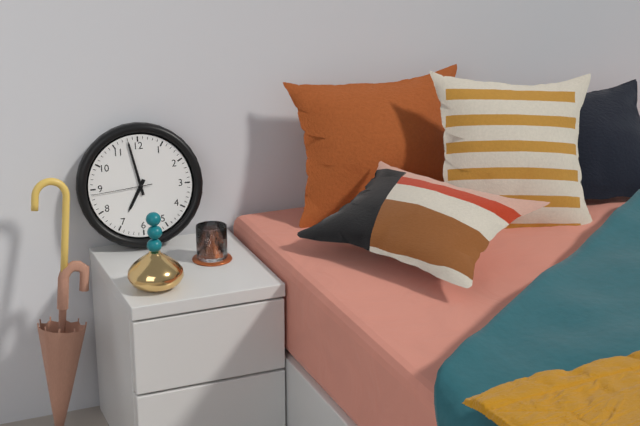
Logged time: 6,58,44
